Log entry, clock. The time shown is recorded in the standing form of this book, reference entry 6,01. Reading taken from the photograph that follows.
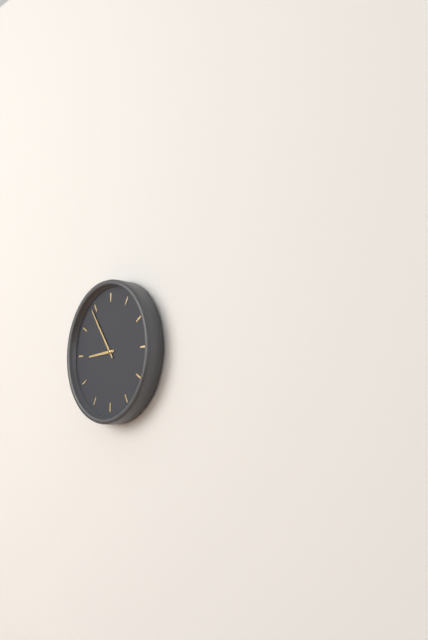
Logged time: 8,54
